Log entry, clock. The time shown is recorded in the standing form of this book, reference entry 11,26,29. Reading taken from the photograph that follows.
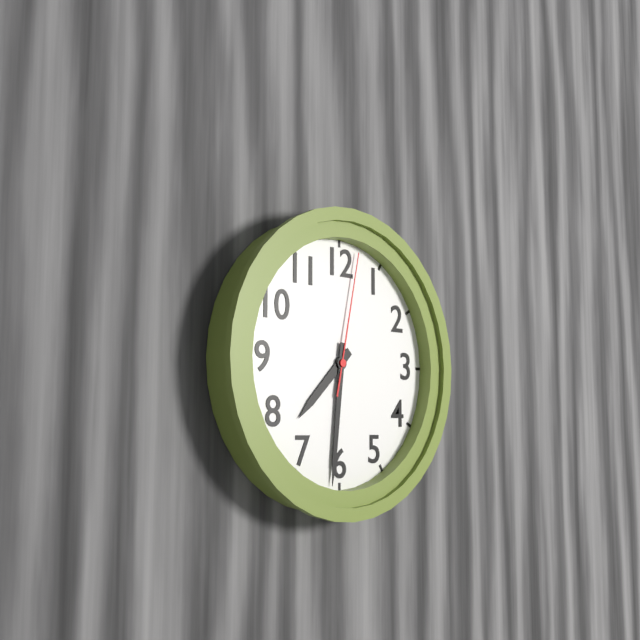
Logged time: 7,31,02
